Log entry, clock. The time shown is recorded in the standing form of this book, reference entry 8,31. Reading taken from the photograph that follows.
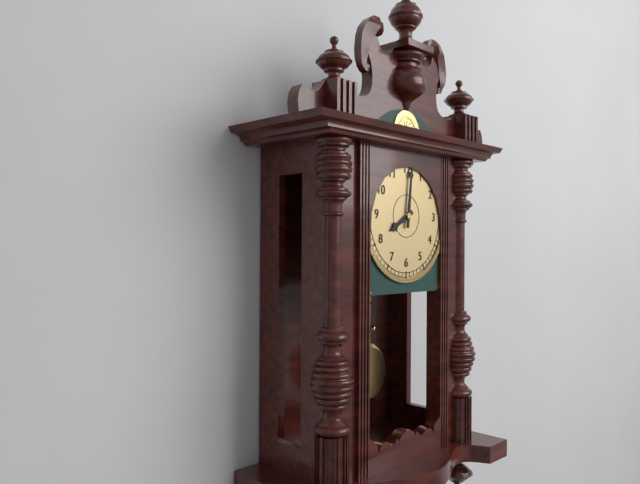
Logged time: 8,01
